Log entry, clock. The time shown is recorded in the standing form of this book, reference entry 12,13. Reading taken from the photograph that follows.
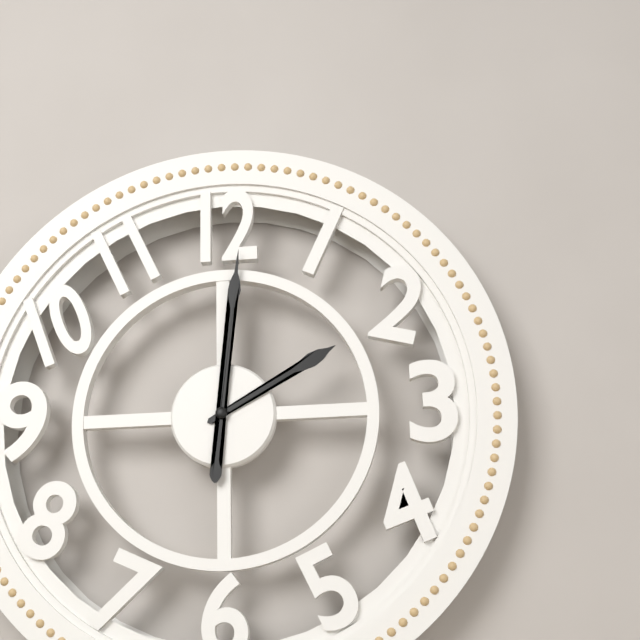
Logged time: 2,01
